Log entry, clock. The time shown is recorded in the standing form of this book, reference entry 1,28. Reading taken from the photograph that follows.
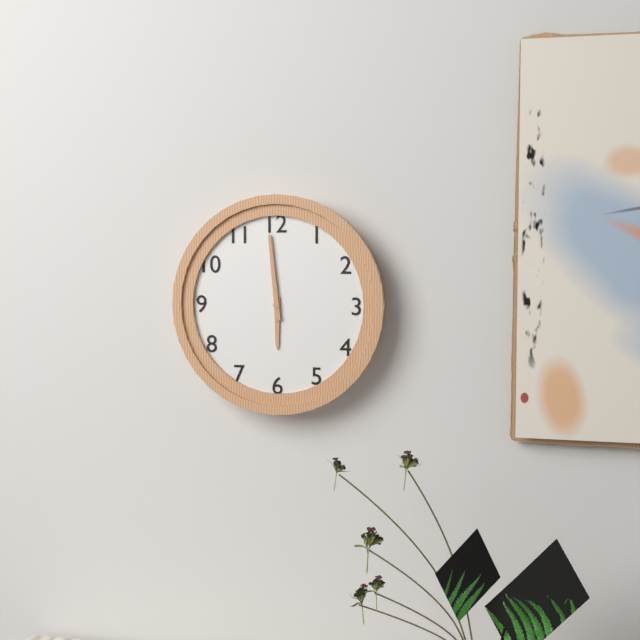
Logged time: 5,59
